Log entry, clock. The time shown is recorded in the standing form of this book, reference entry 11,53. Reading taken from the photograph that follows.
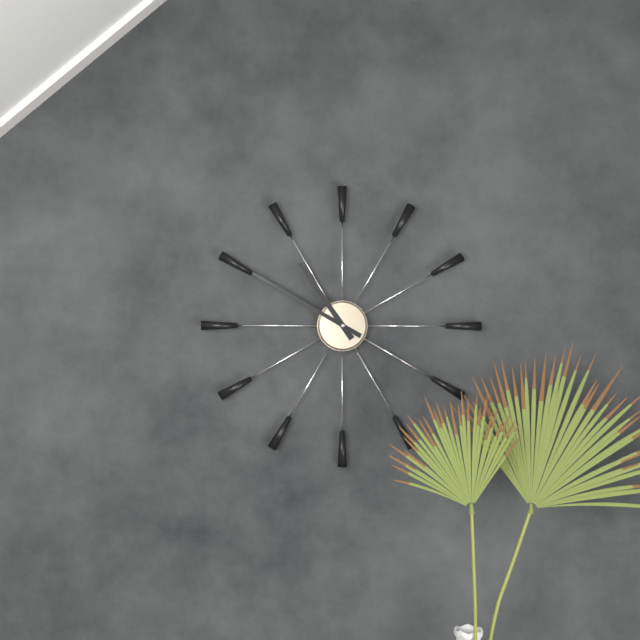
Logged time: 10,50
